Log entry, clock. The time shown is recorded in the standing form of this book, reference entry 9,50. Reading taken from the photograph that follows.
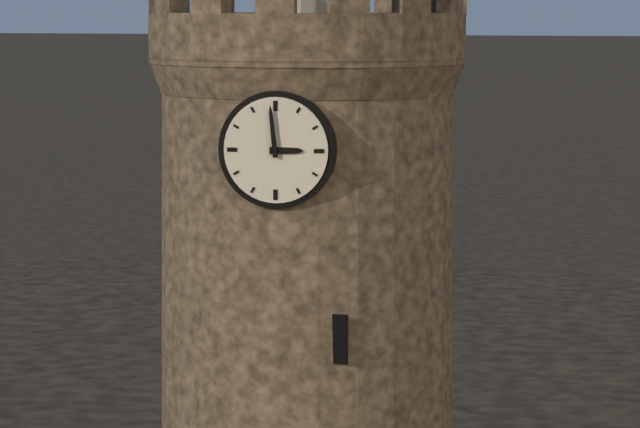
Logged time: 2,59
